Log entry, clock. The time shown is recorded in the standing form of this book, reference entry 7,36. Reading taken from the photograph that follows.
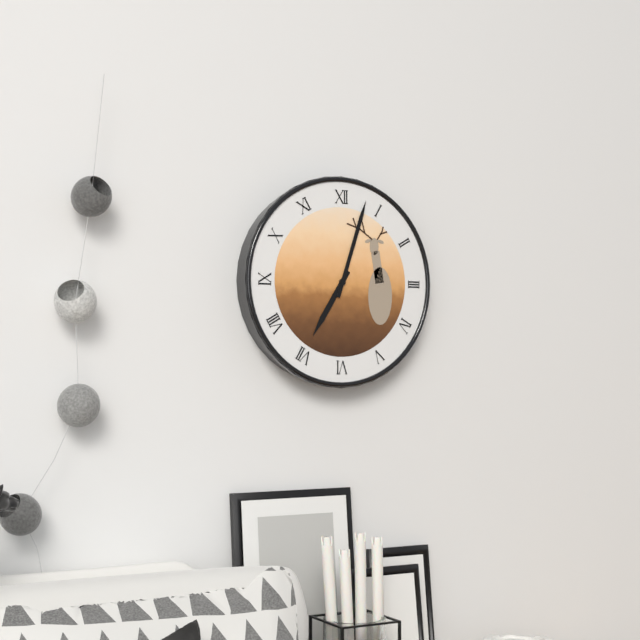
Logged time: 7,03
